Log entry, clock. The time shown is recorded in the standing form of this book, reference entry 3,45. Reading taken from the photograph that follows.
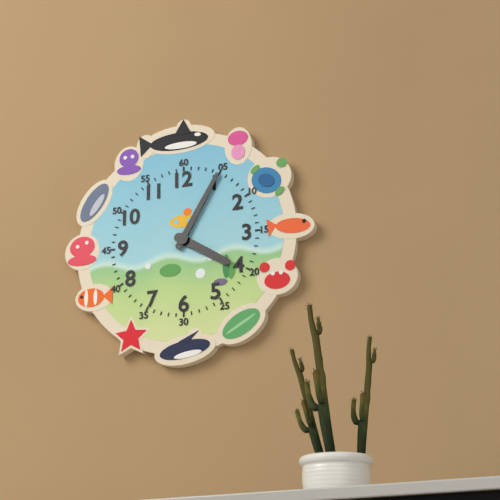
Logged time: 4,05
